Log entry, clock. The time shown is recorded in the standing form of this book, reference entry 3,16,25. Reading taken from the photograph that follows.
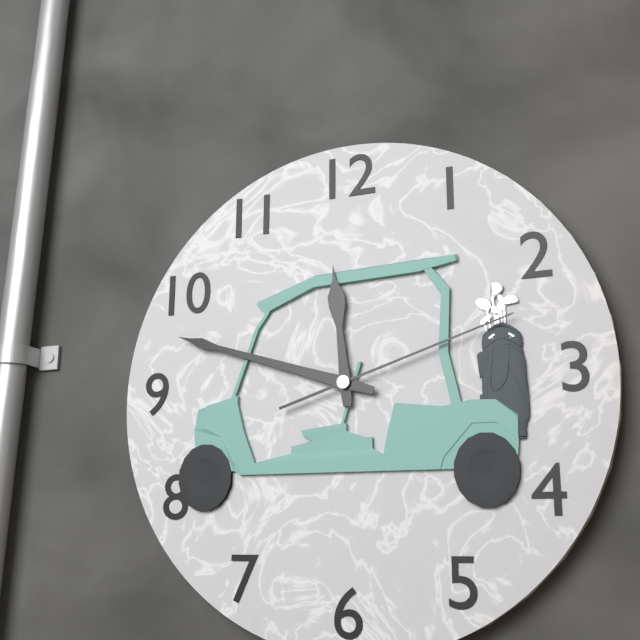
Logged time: 11,48,12
